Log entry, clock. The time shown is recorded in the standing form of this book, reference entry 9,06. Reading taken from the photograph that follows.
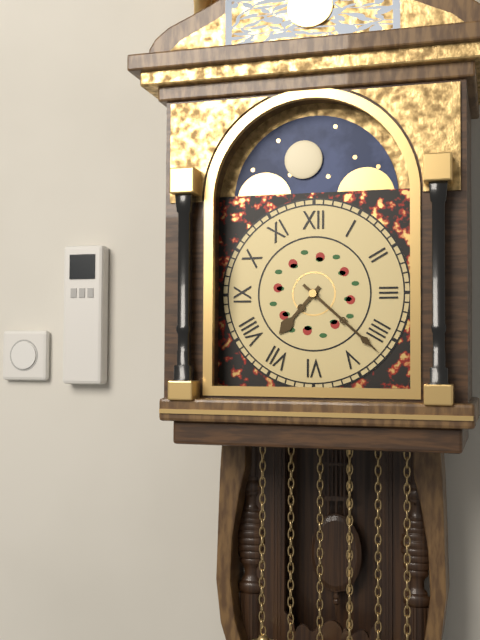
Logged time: 7,22
